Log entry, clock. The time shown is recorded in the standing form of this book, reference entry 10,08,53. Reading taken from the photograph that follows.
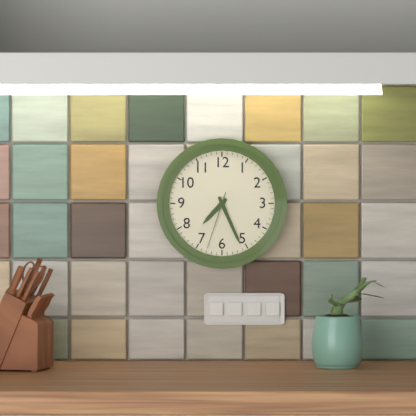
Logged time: 7,26,33
